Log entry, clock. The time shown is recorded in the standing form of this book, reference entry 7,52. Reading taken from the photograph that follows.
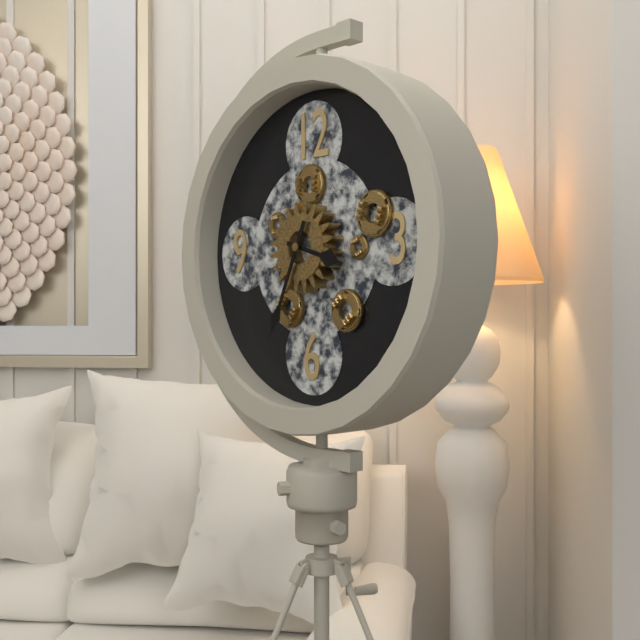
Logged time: 3,34
